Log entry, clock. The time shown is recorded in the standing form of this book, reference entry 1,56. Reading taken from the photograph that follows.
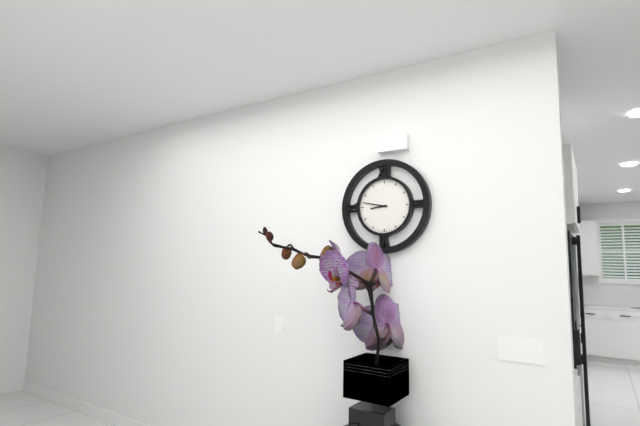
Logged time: 8,47
